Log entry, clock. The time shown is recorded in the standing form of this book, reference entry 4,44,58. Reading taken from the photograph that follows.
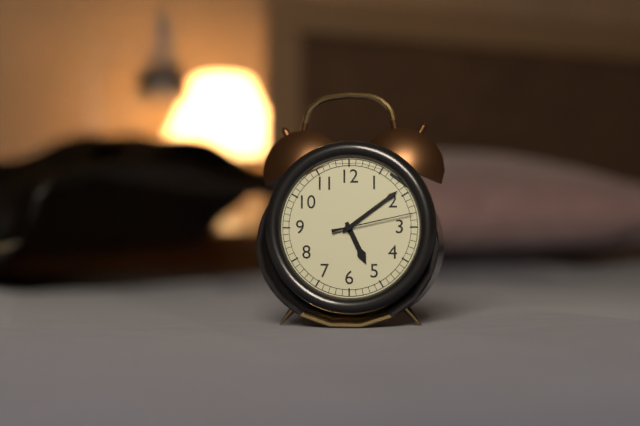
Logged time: 5,09,13
